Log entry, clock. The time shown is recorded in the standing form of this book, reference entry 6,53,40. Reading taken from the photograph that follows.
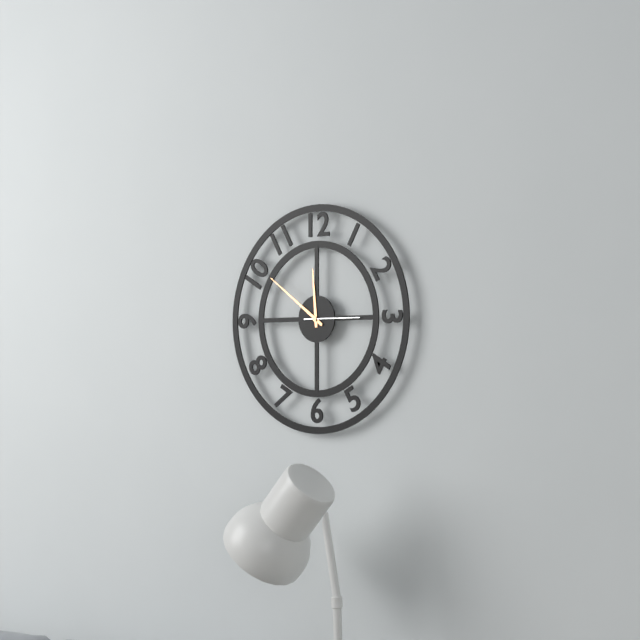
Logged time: 11,51,15
